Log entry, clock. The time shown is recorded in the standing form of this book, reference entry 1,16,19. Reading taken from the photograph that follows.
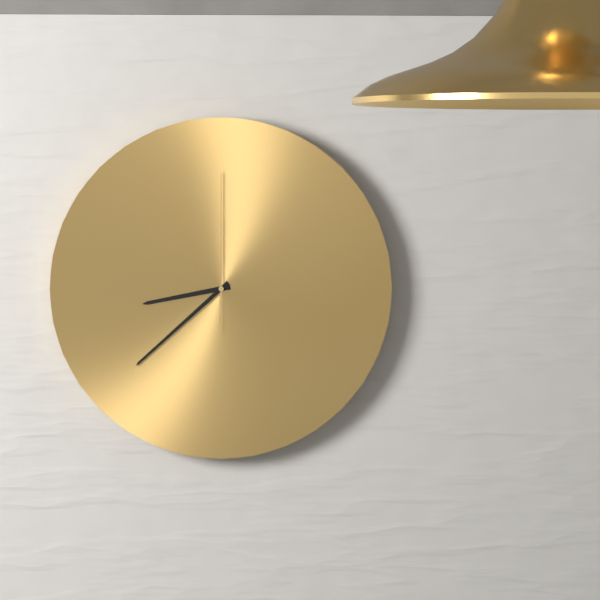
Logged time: 8,38,00
